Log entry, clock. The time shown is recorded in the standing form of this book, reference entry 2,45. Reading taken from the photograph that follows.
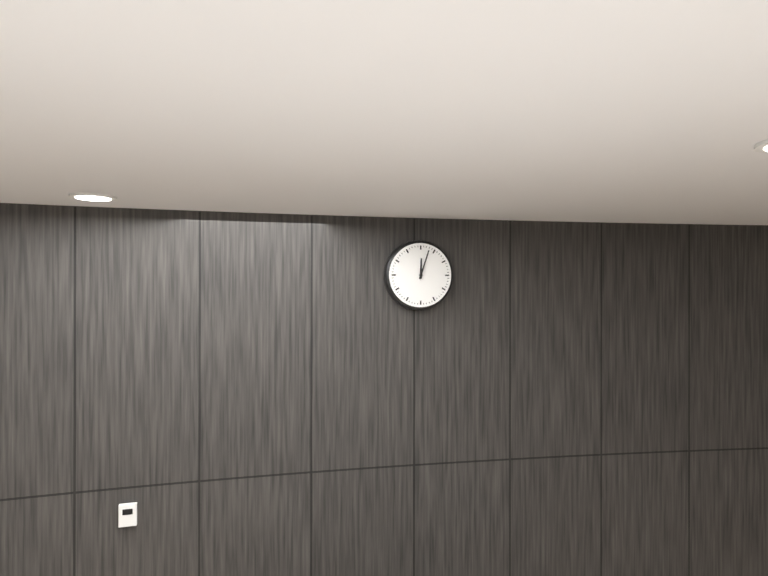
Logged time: 12,03
